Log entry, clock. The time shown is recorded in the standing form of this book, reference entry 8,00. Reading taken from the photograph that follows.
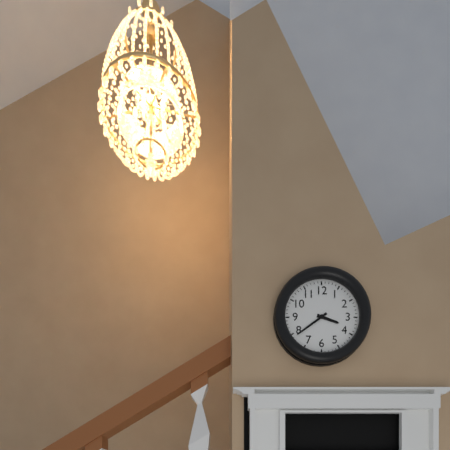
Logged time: 3,39
